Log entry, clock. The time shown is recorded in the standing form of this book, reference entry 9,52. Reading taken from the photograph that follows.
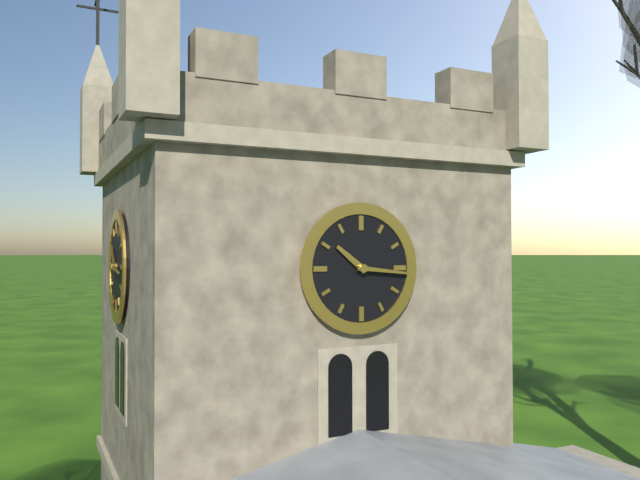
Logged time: 10,16
